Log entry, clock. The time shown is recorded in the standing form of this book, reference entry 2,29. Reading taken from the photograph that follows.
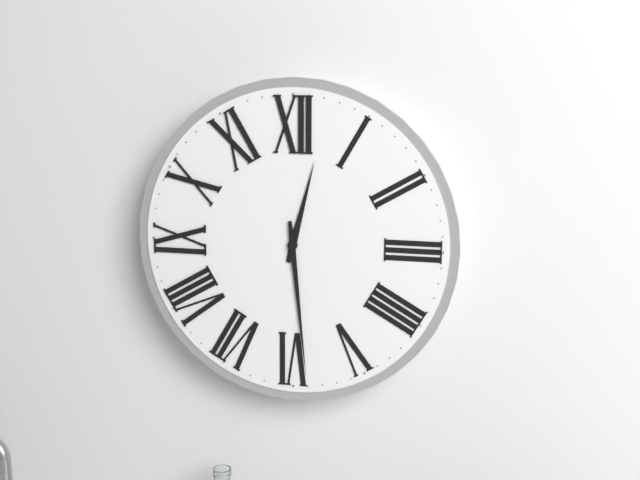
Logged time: 12,29
